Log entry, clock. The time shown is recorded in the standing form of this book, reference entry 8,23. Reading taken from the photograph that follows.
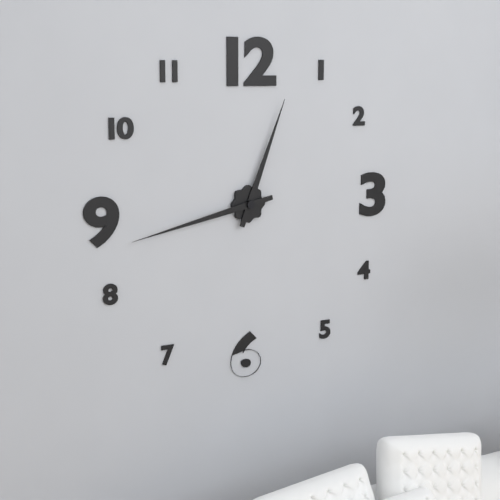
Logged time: 12,43
